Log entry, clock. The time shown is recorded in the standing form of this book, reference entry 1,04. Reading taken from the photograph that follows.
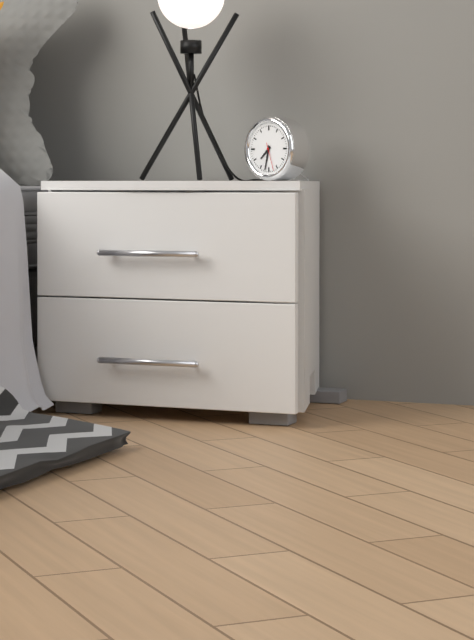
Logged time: 7,32
